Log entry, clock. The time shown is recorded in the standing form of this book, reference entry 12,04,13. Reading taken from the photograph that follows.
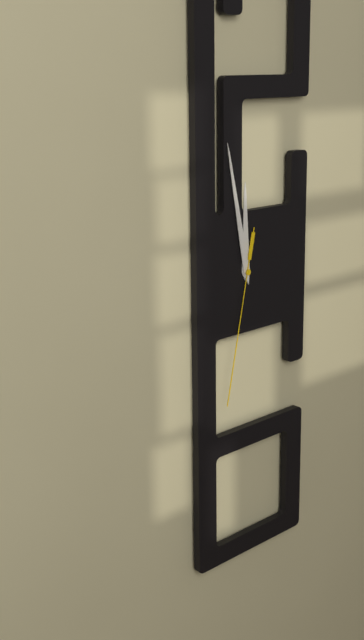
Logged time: 11,58,32
